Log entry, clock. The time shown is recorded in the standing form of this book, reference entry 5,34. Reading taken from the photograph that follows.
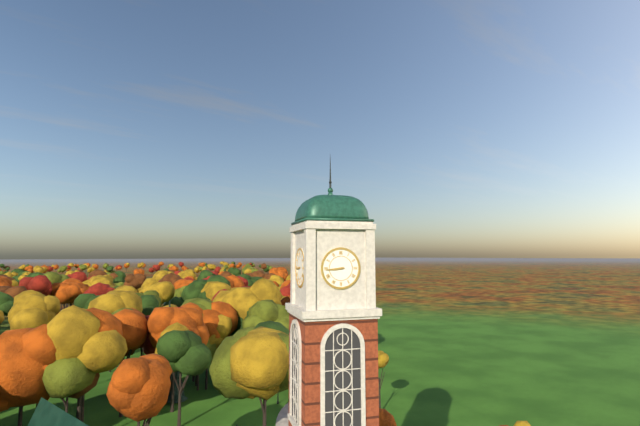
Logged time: 8,44
